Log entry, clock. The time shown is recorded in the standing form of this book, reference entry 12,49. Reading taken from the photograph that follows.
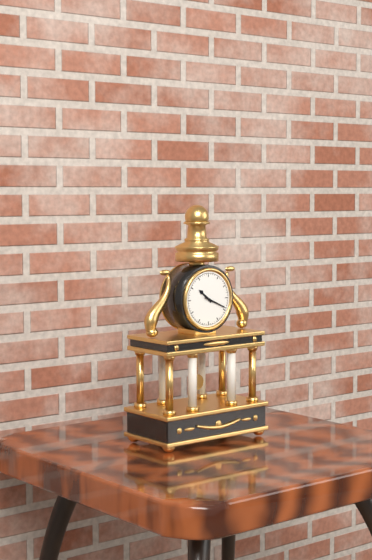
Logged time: 10,19
